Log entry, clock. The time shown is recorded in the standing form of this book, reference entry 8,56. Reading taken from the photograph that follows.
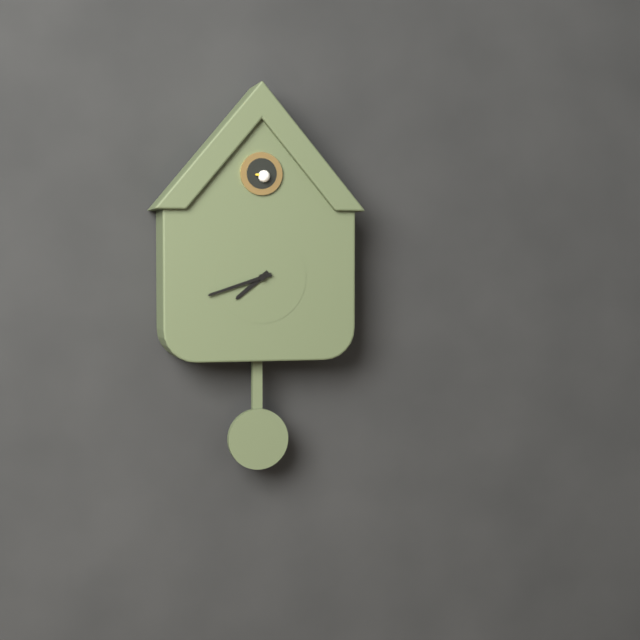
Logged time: 7,42
